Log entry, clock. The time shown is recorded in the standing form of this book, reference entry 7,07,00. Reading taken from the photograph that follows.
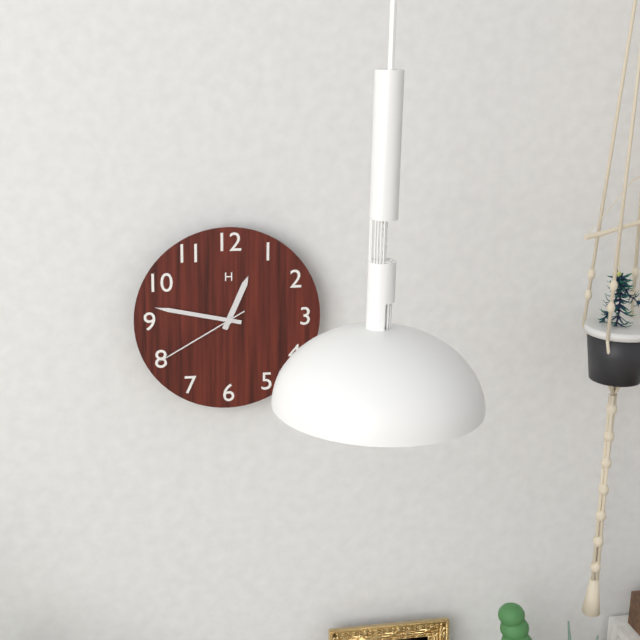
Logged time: 12,47,40
